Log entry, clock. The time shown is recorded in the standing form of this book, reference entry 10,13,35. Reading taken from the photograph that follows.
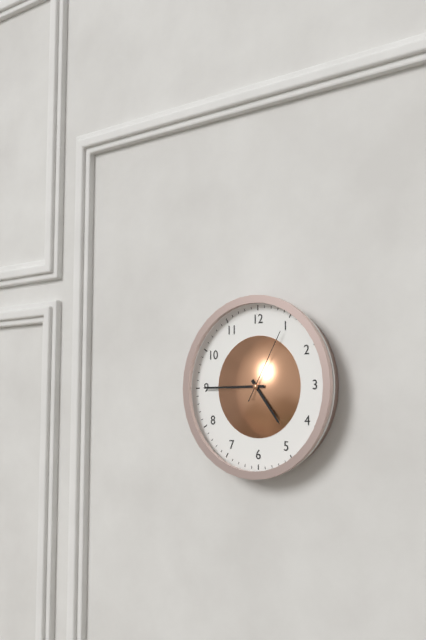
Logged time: 4,45,05
